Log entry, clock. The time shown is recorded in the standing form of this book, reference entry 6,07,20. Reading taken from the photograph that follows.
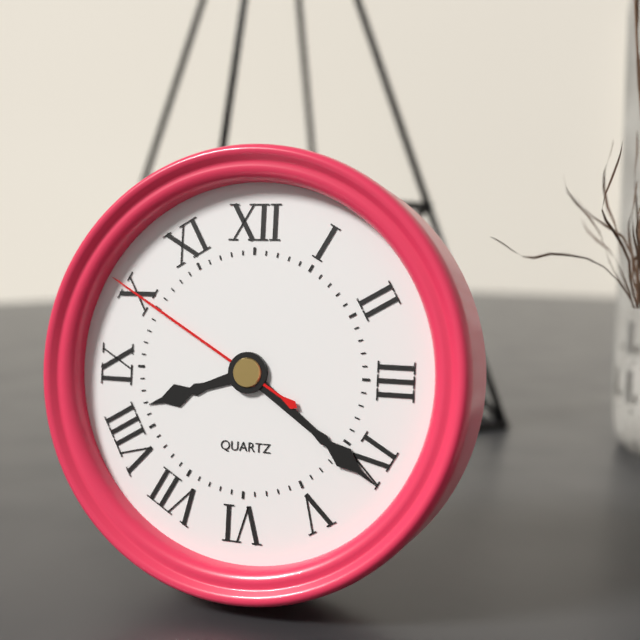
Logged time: 8,21,50
